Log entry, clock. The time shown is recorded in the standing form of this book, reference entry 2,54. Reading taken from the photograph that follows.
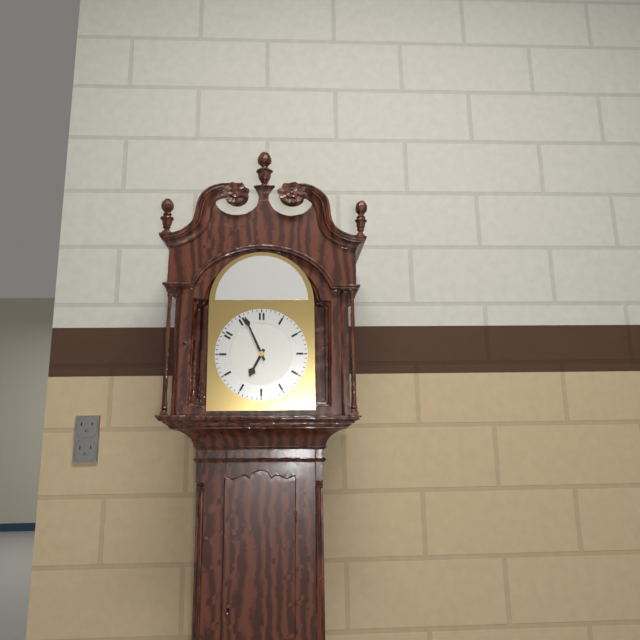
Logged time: 6,56
